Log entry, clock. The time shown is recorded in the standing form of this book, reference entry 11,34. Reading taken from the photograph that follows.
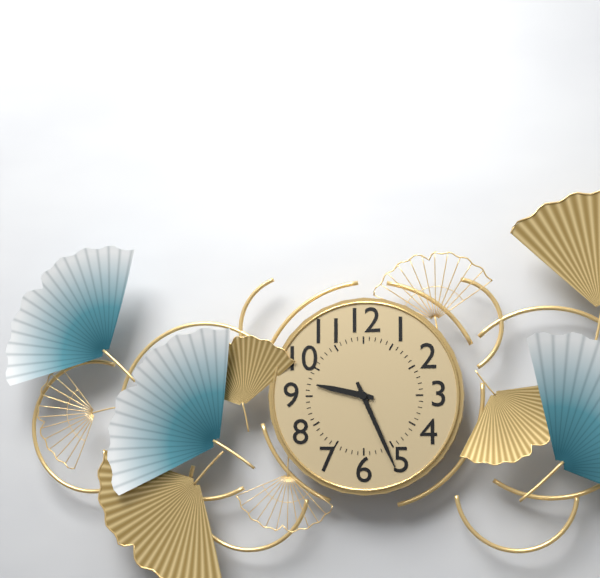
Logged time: 9,26
